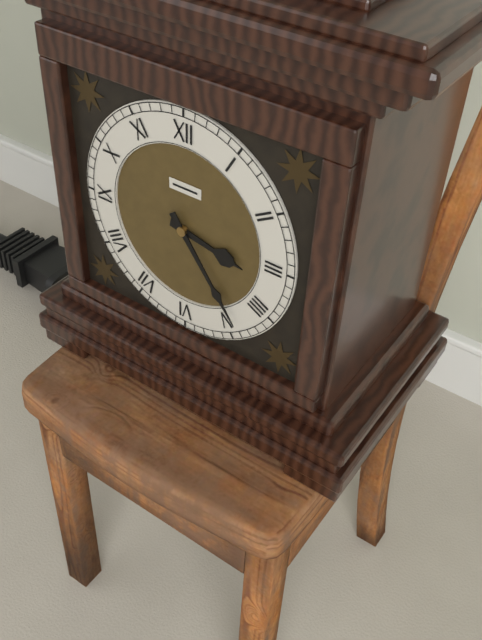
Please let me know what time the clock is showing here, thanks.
3:24
